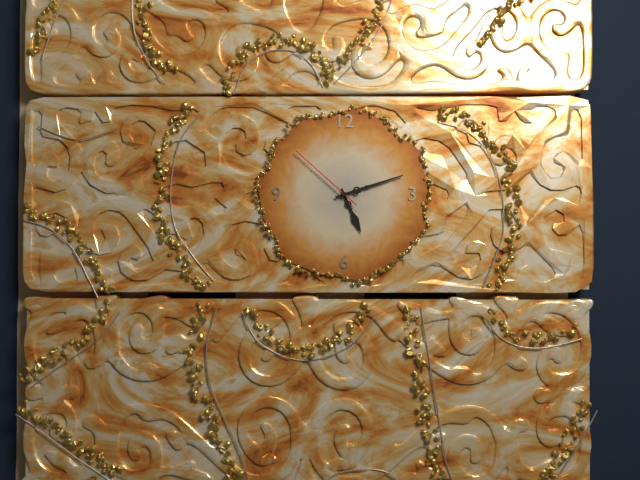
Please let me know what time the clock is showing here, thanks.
5:12:52
